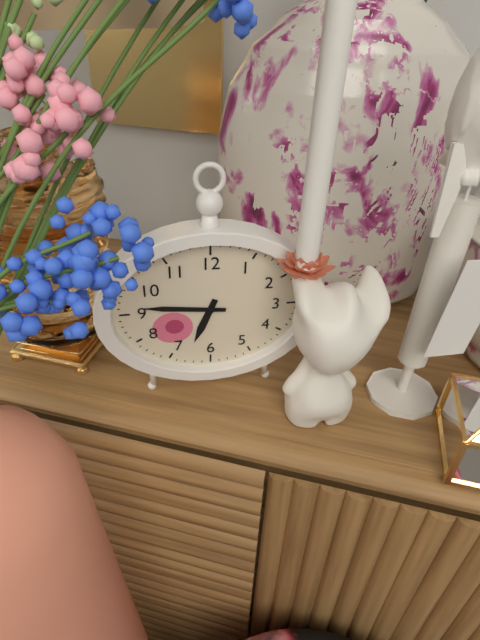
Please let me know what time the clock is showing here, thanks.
6:46
